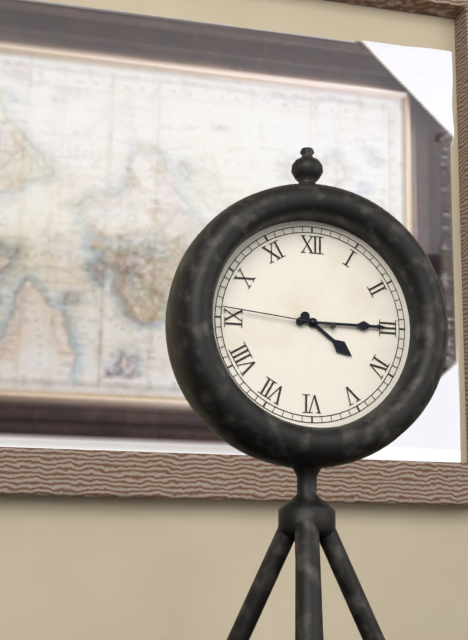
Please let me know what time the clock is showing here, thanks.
4:15:46
